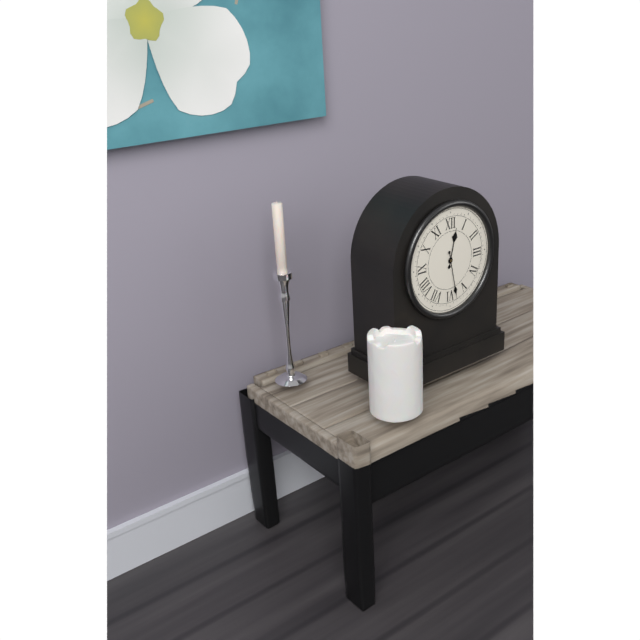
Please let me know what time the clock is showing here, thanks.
12:28
